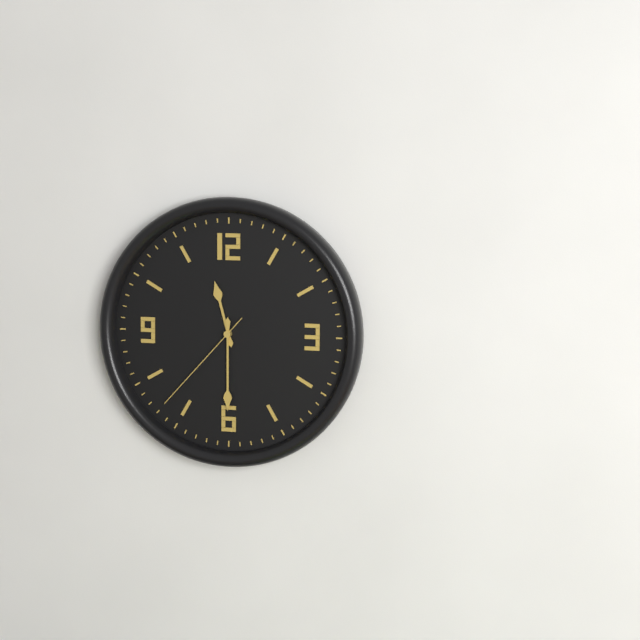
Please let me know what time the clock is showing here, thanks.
11:30:37
